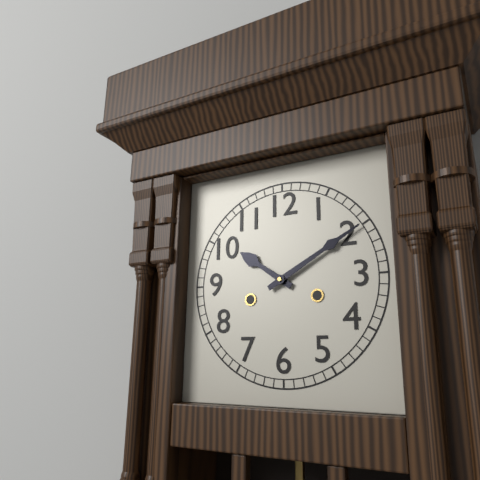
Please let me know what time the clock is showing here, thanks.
10:10
